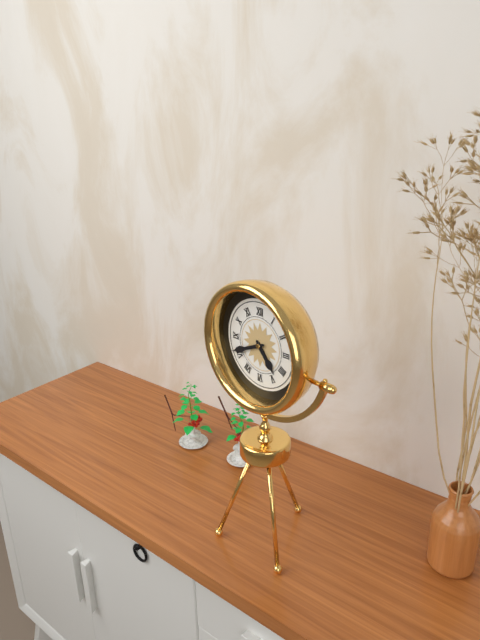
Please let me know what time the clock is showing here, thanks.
4:41
